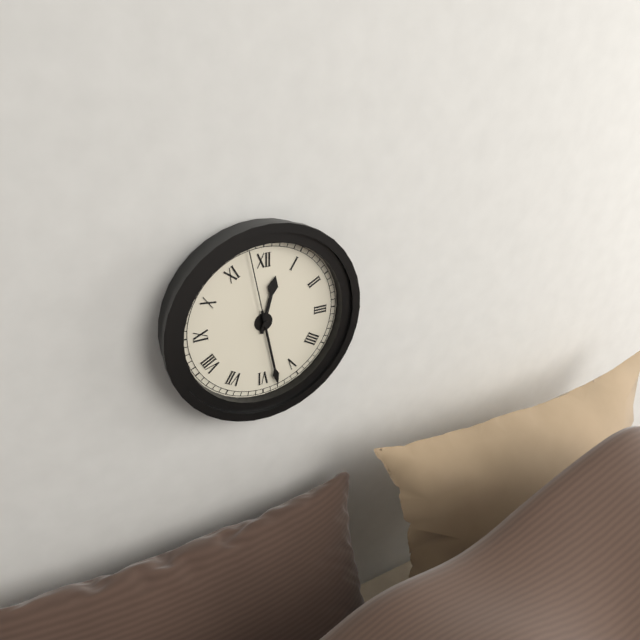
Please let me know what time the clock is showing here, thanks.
12:28:58
